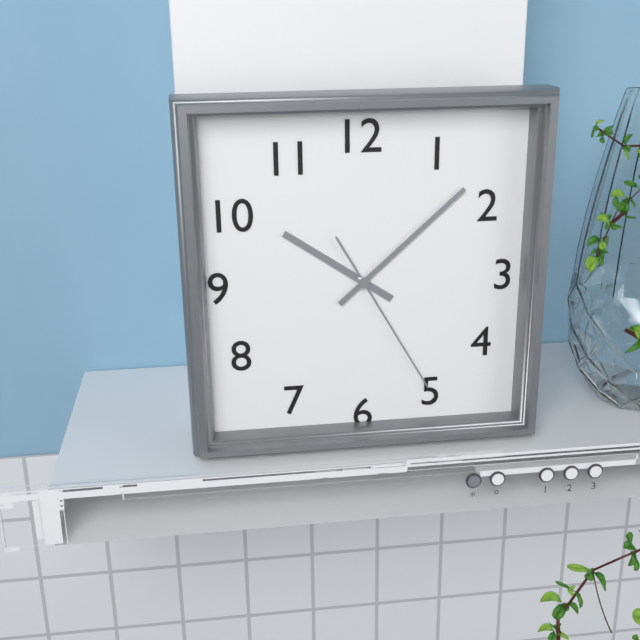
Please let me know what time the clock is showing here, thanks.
10:08:25
